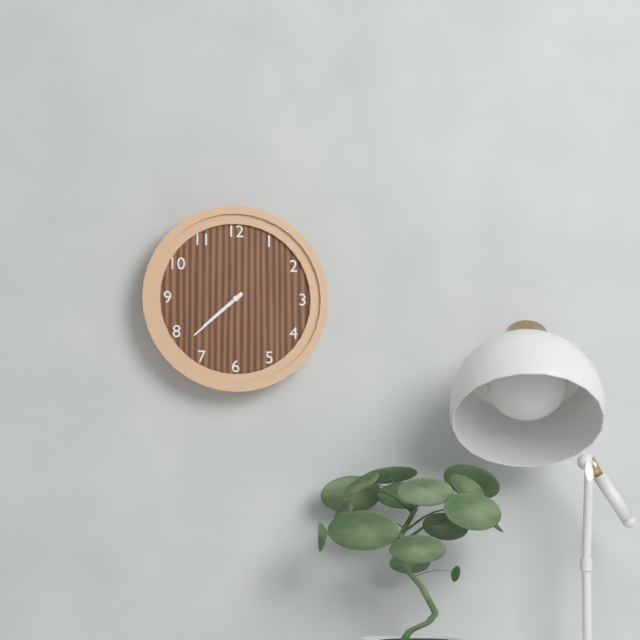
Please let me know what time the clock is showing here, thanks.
7:38
